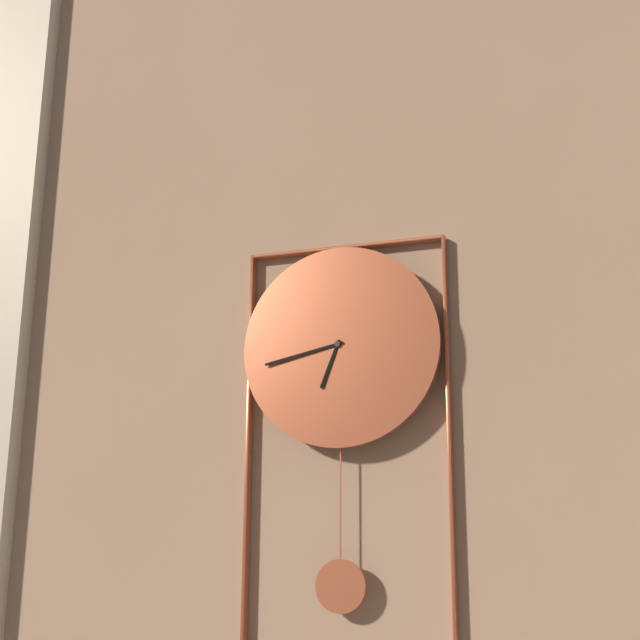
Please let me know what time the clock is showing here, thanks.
6:43
